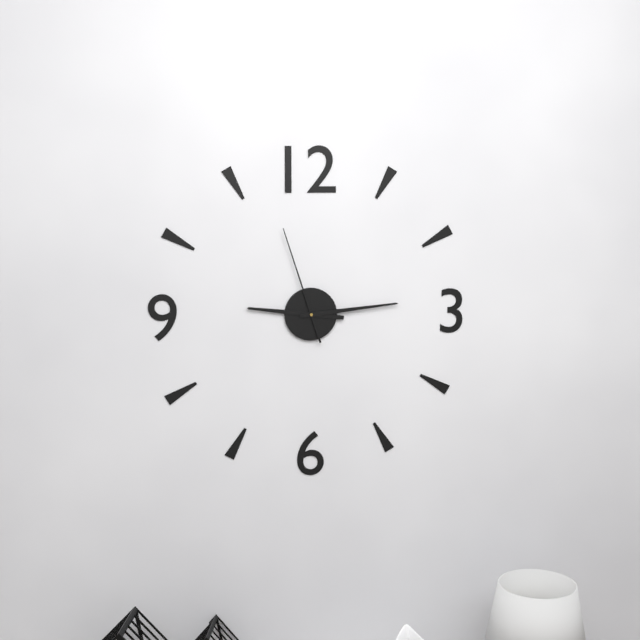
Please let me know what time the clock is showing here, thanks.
9:14:57
